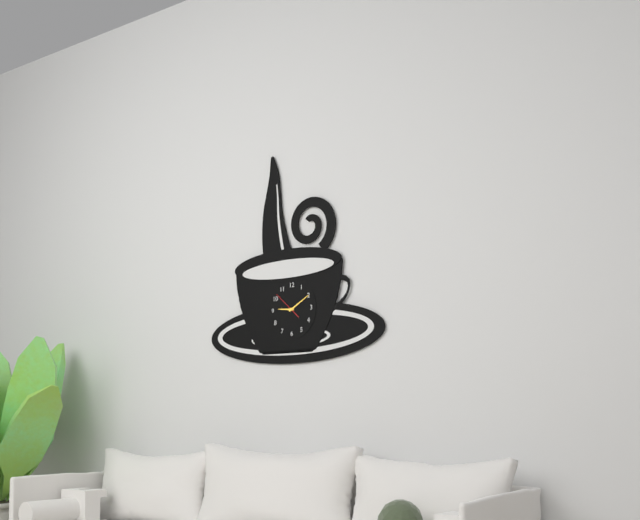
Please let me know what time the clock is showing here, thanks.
9:10
